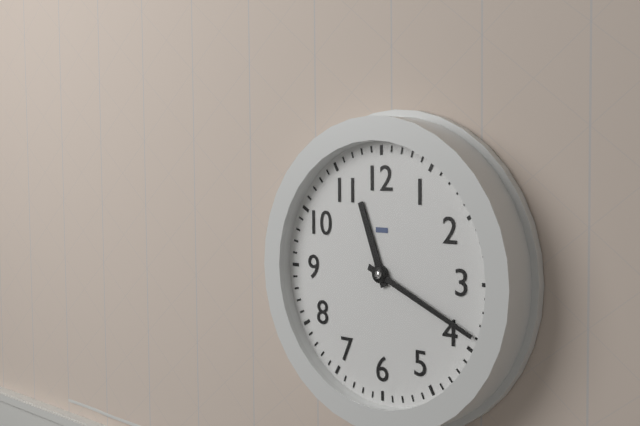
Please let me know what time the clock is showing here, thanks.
11:19
